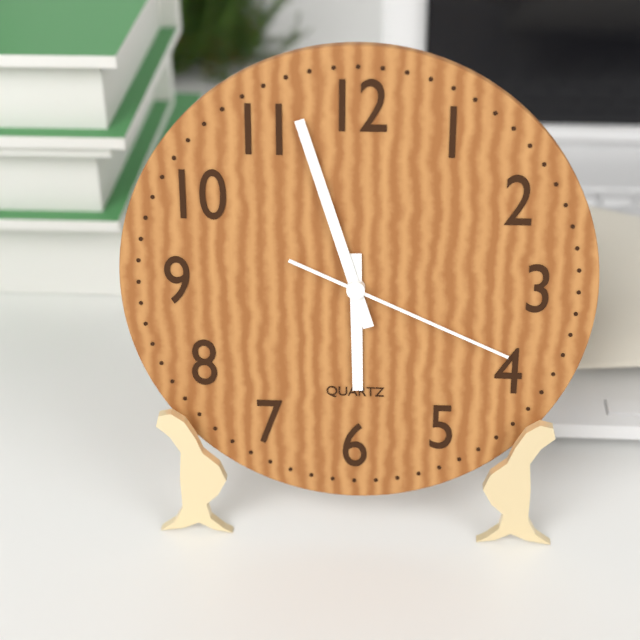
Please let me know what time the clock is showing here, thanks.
5:57:19
